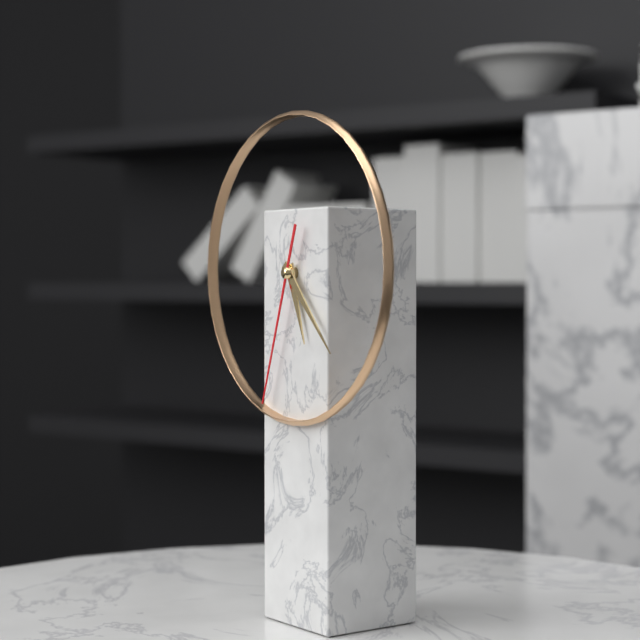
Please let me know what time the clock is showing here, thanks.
5:23:33
